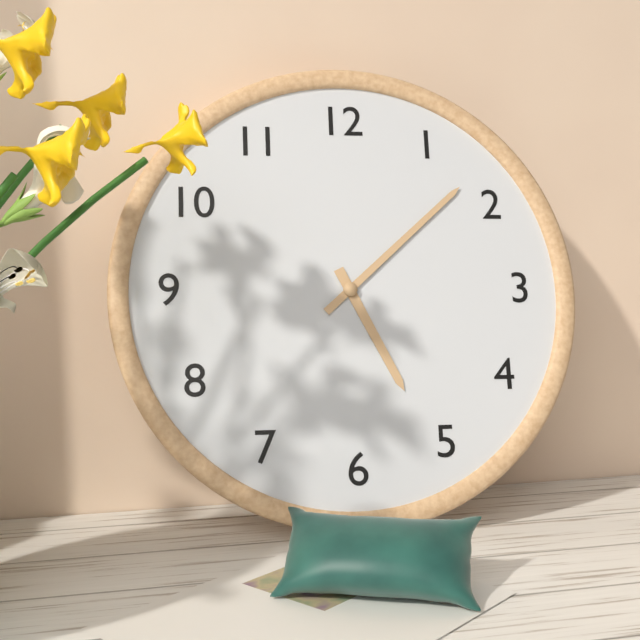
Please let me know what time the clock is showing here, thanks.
5:08
